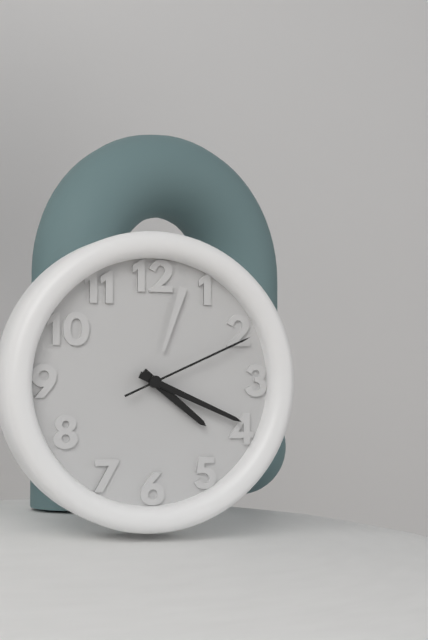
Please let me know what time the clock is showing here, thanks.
4:19:11
